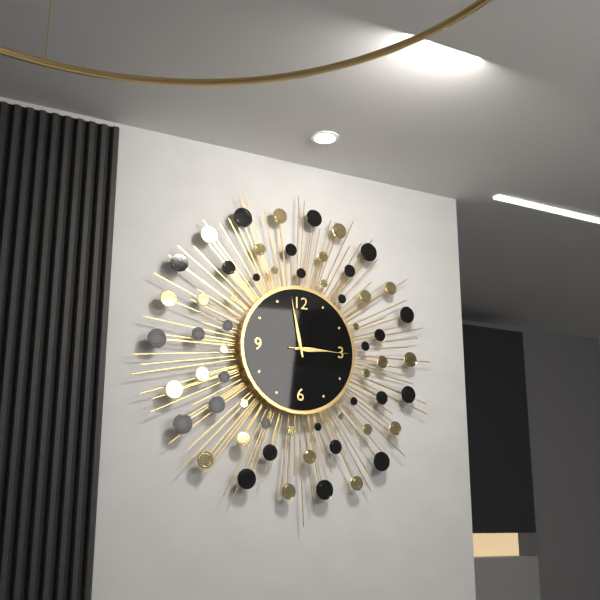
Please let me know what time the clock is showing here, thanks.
2:58:15
